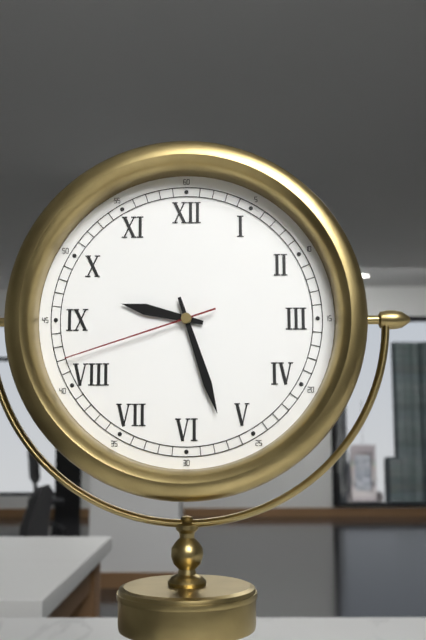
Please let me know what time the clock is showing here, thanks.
9:27:42
